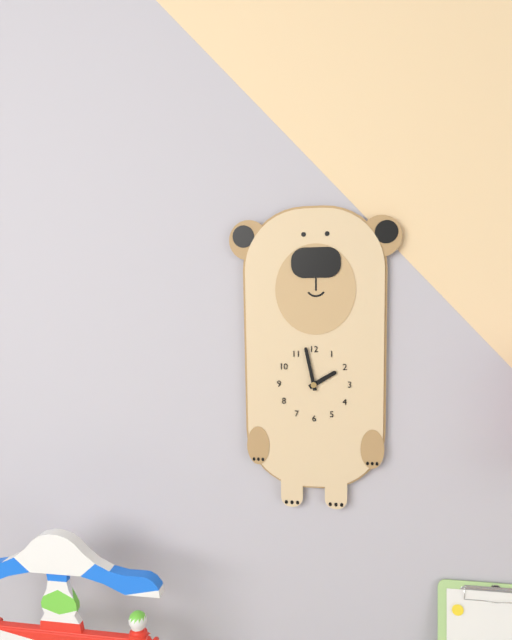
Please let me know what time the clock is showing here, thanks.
1:58
